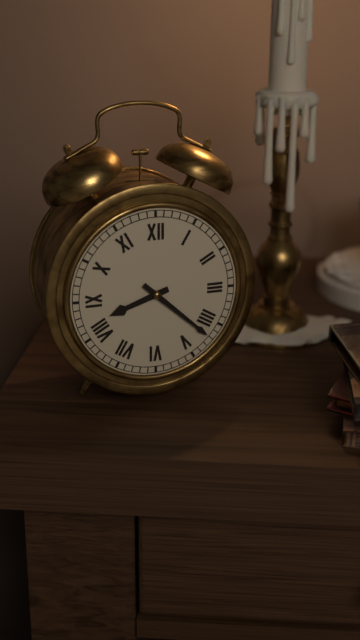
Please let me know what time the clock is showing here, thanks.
8:22
